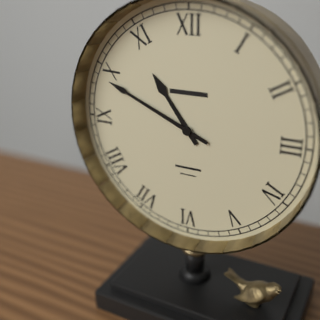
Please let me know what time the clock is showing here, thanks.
10:49
